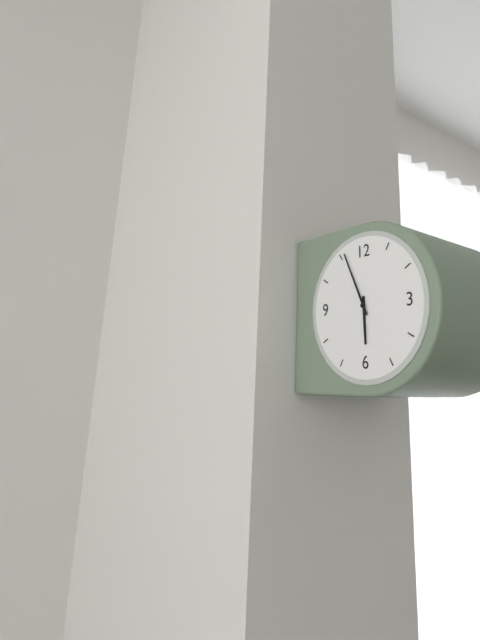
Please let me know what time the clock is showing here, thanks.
5:56
